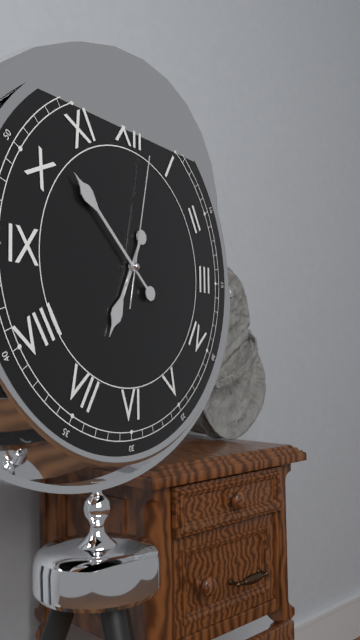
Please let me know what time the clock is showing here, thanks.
6:52:02
